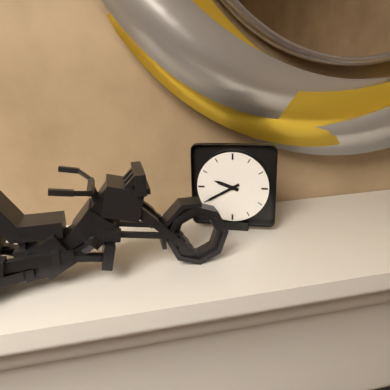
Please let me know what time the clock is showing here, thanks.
9:40
